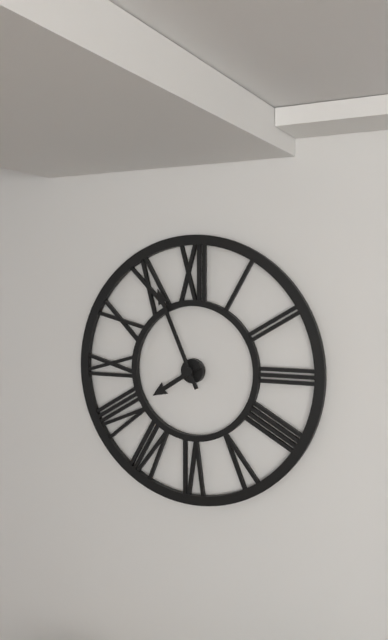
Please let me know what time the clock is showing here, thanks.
7:56
